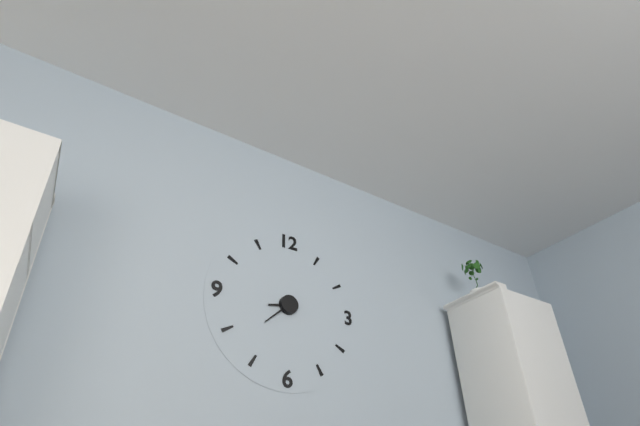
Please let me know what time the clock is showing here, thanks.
8:38
